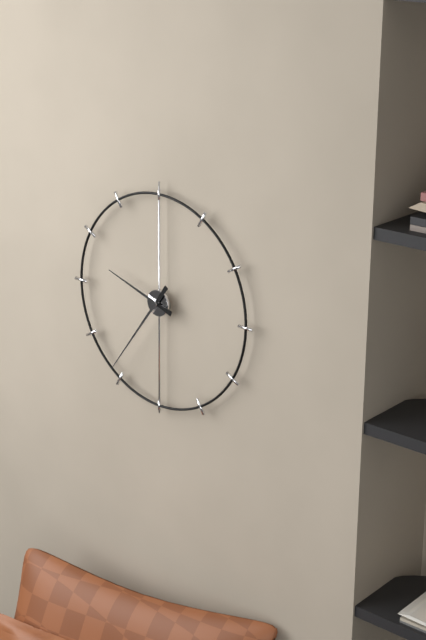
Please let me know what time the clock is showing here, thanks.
9:36
